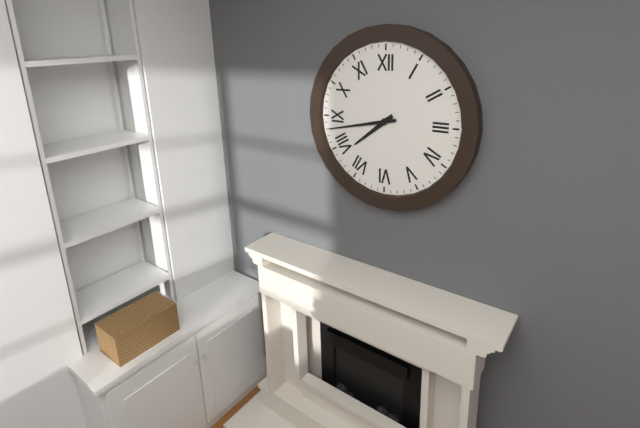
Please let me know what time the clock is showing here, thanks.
7:43
